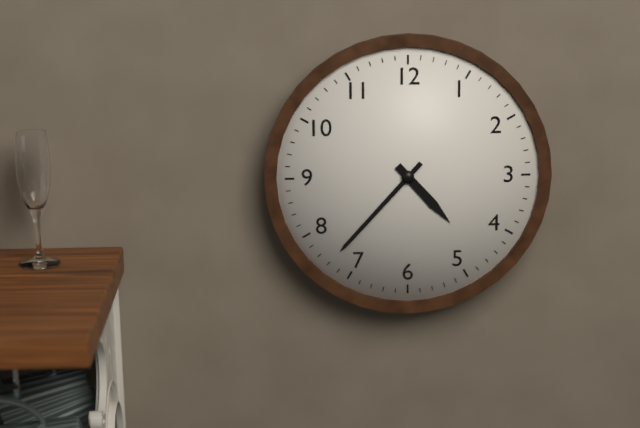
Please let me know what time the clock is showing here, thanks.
4:37
